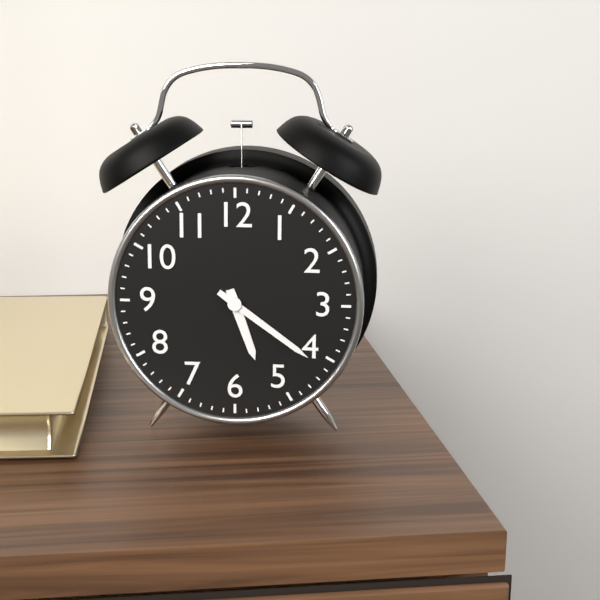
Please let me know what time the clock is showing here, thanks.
5:21
